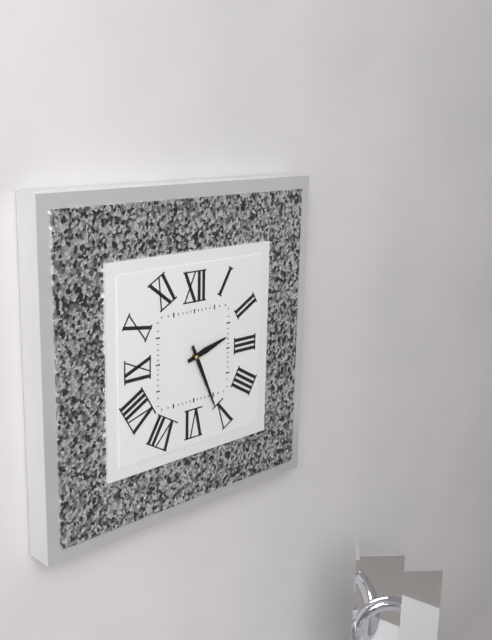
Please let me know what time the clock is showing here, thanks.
2:26
